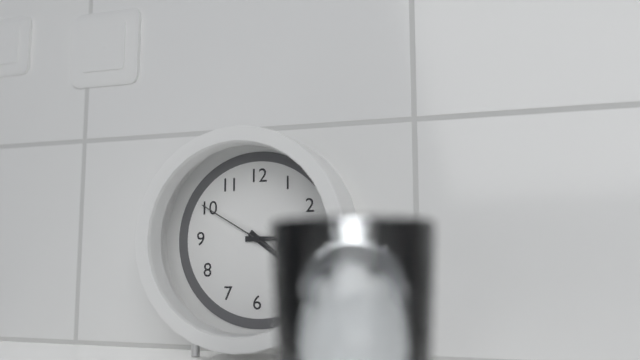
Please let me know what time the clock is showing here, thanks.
4:15:50
